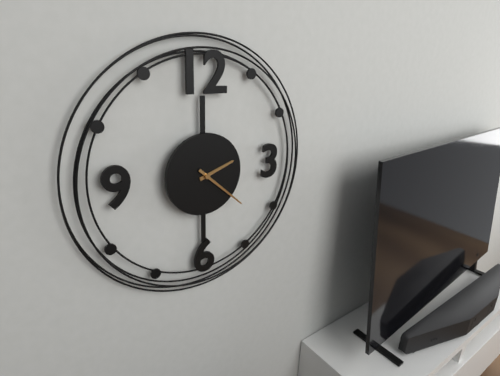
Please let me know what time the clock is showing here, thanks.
2:22
